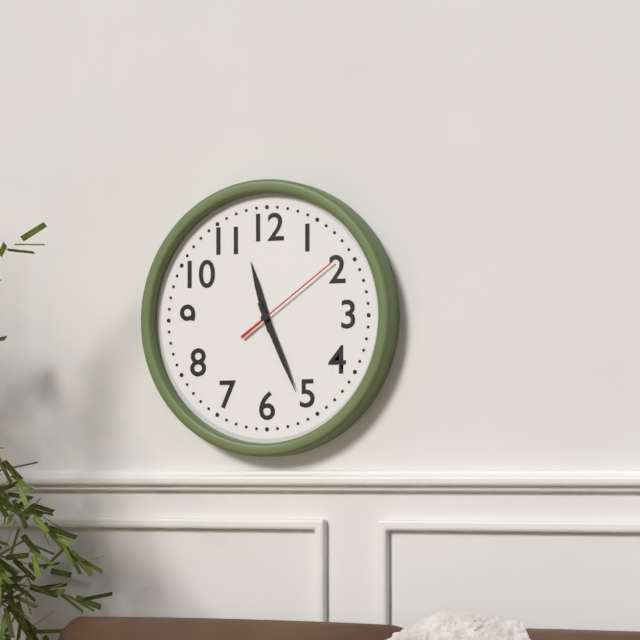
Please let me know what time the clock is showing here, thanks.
11:26:09
